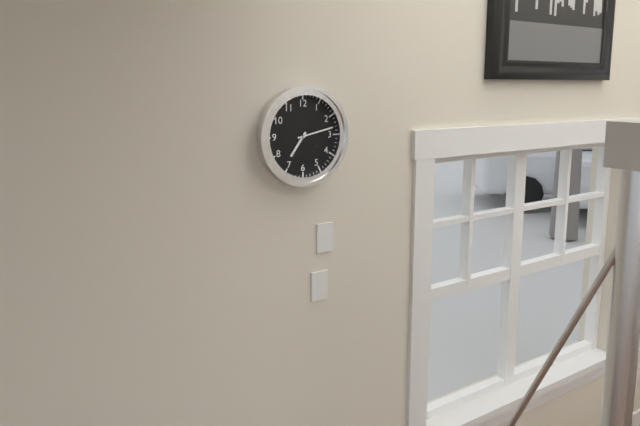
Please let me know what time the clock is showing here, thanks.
7:13
